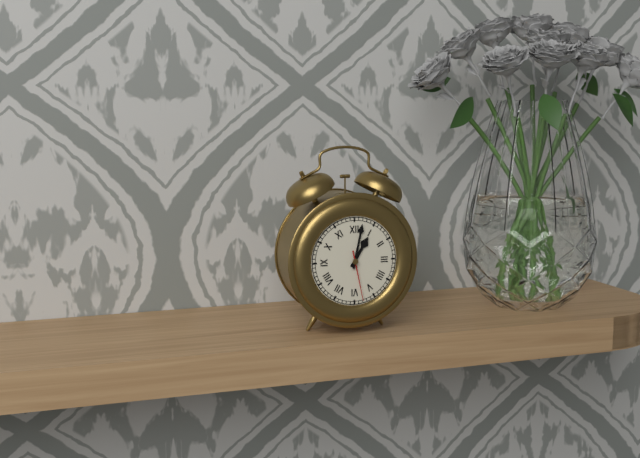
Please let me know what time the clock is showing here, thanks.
1:02
